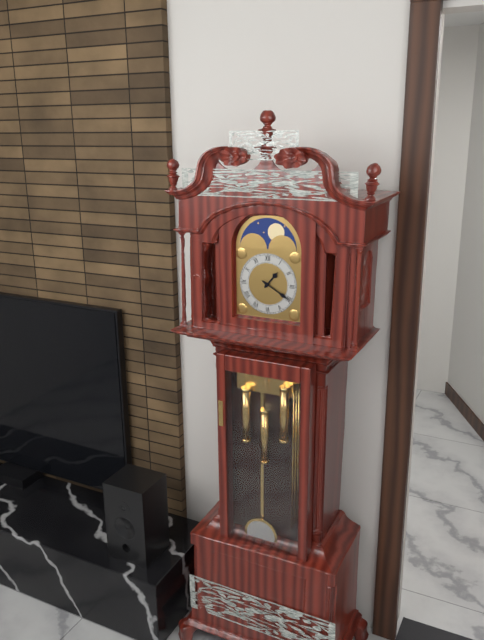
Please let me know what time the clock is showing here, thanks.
1:20
